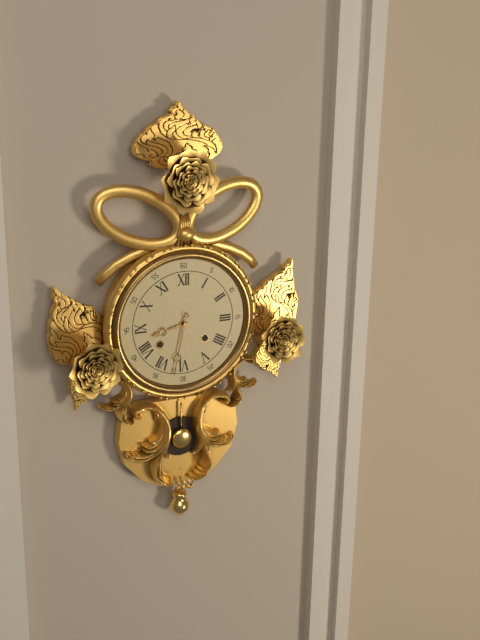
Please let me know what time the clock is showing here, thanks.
8:32
